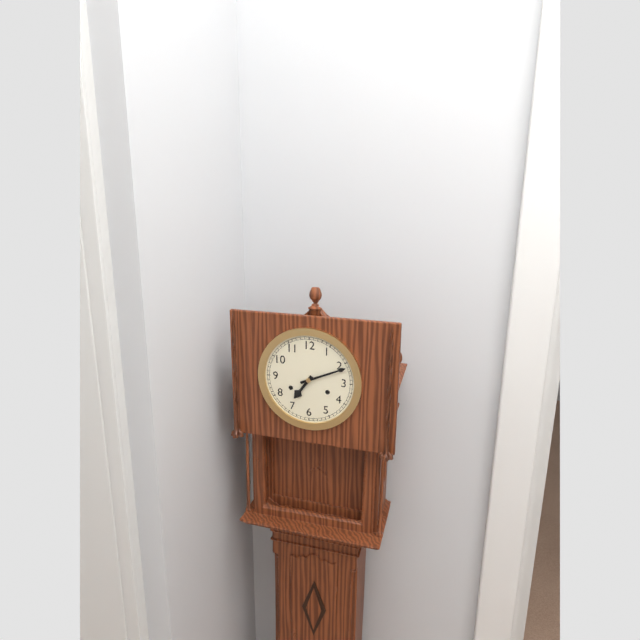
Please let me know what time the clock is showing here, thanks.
7:11
